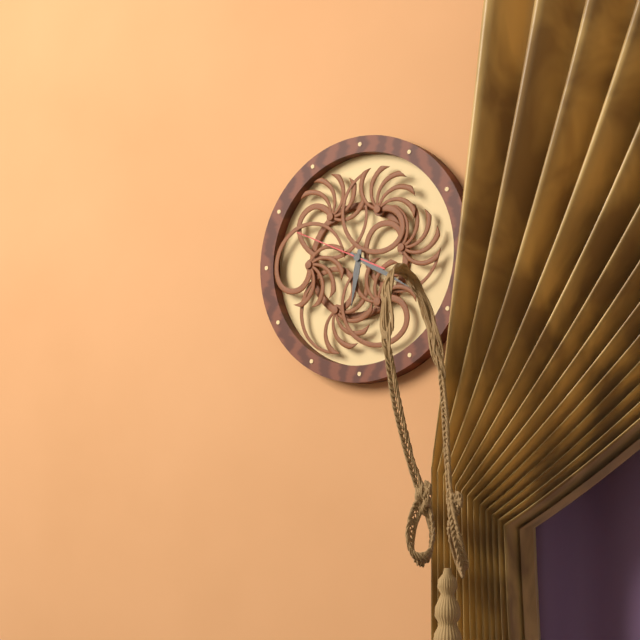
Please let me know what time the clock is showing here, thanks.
6:20:49
